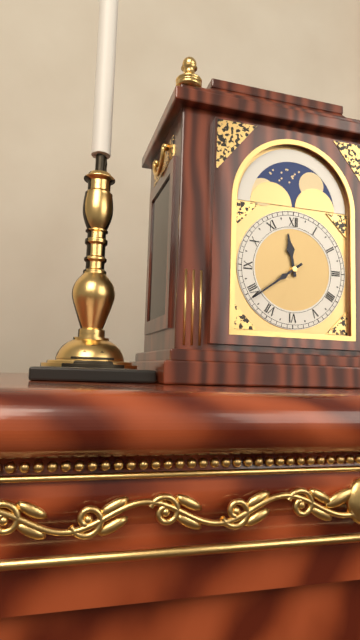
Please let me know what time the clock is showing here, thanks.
11:39
